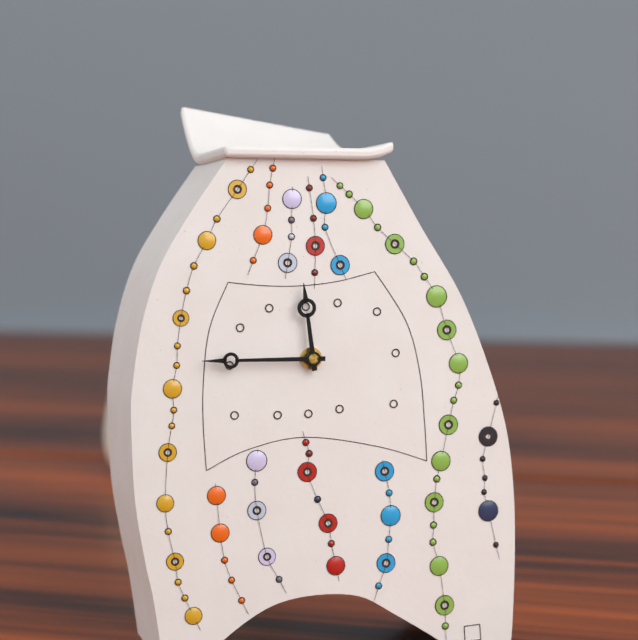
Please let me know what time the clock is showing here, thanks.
11:45
